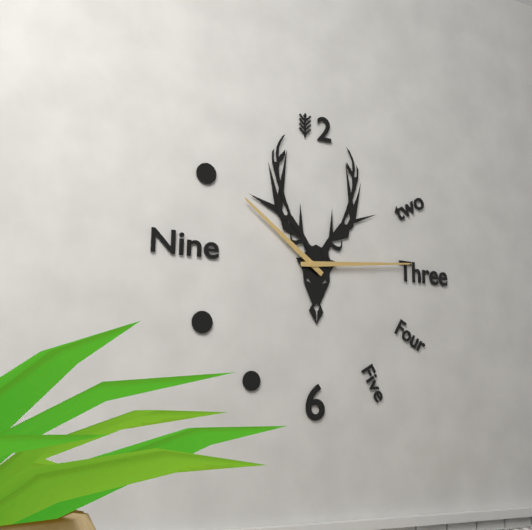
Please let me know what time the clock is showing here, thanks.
10:14
